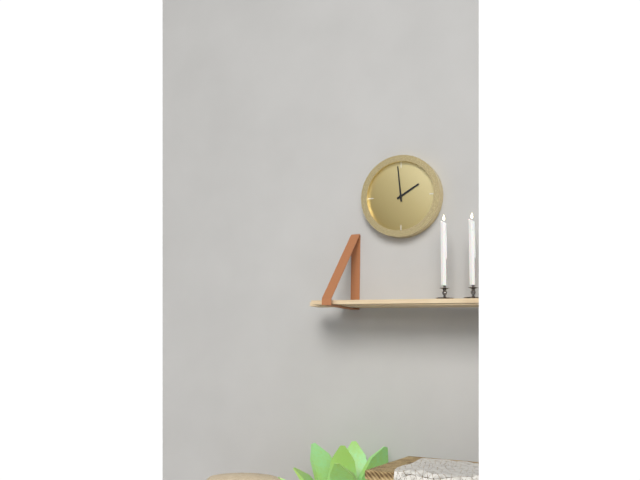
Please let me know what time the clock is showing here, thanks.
1:59
